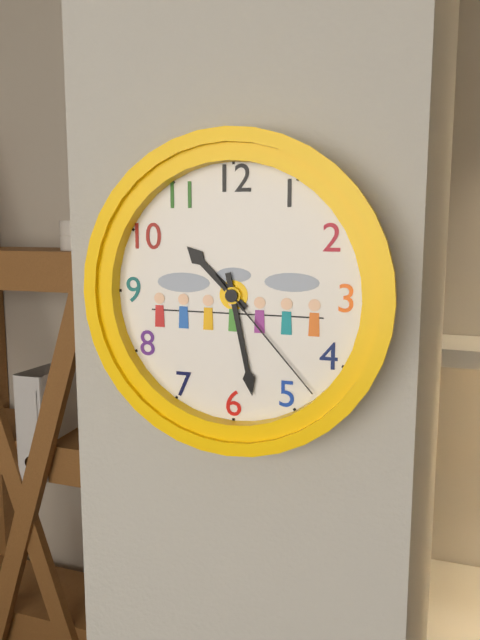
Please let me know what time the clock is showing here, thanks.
10:28:23
